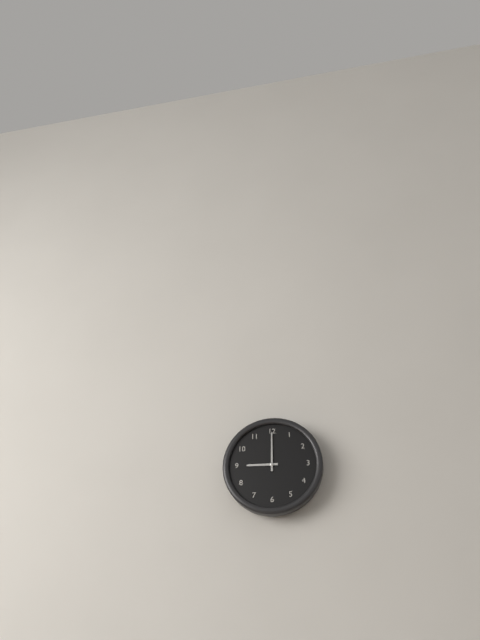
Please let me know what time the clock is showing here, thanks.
9:00
